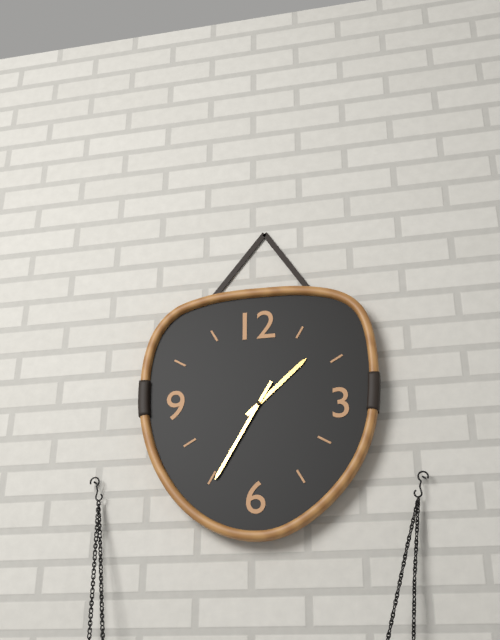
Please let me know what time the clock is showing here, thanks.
1:35
